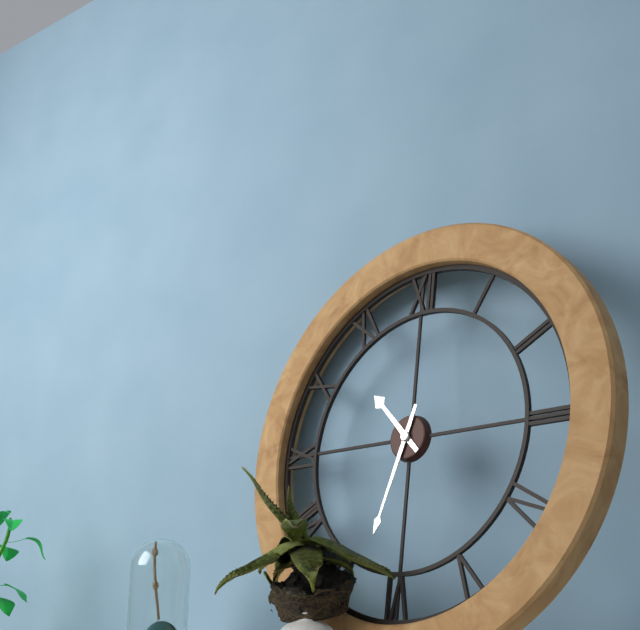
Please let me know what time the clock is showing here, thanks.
10:33
